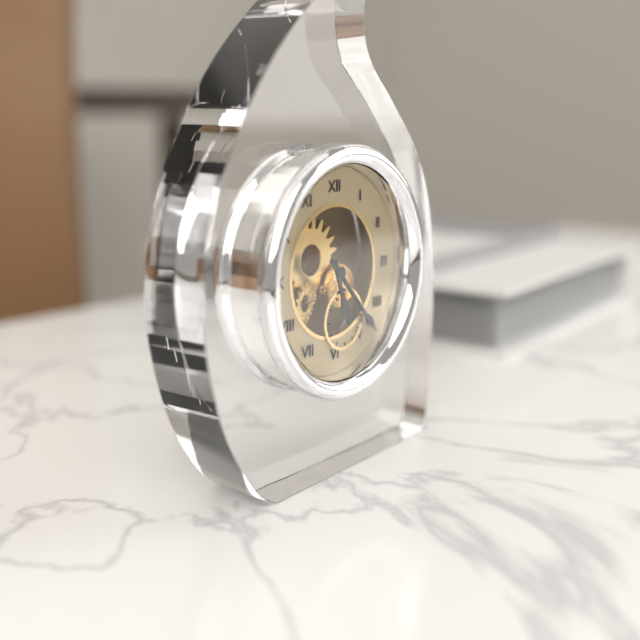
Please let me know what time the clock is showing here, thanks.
5:23
